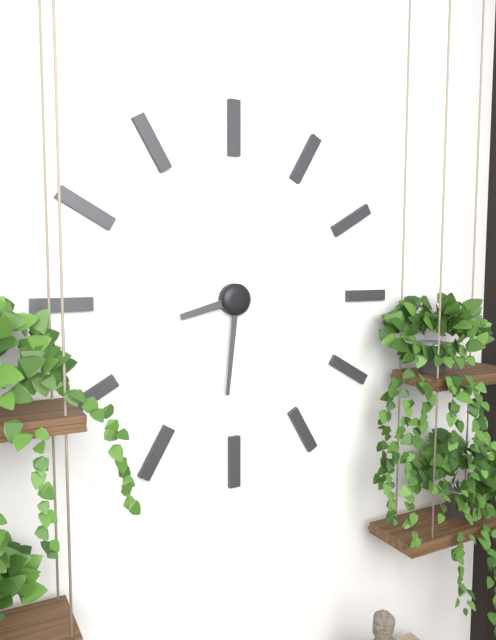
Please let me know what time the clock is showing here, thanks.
8:31
